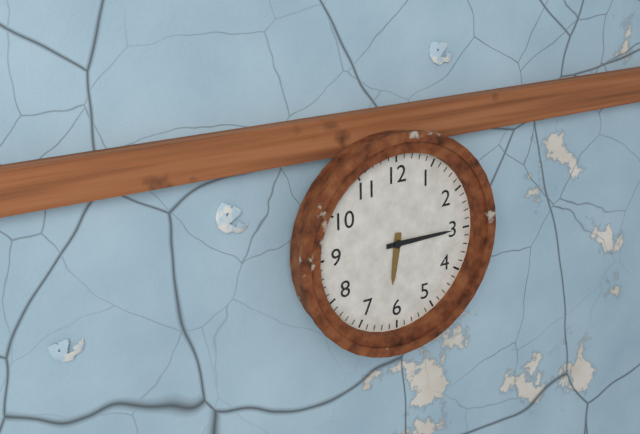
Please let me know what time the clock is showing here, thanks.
6:15
